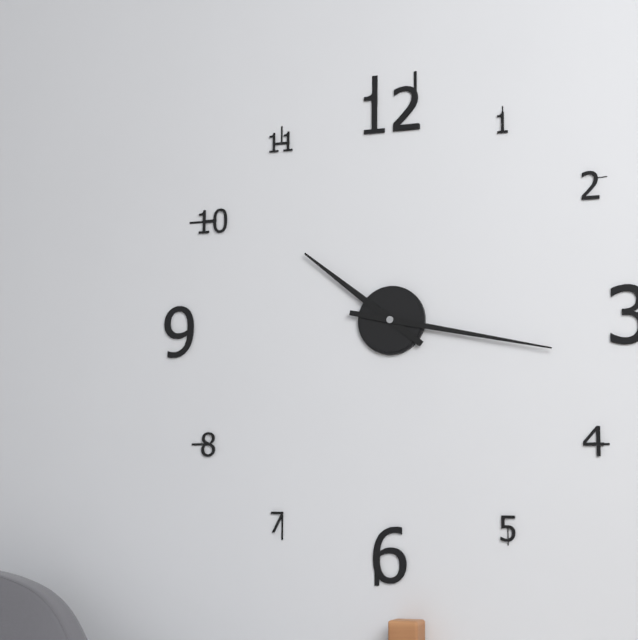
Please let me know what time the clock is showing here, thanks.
10:17
